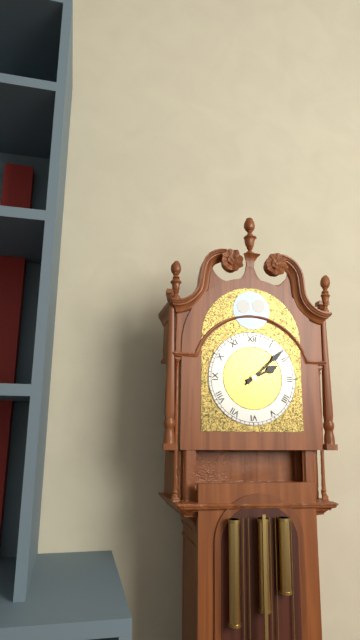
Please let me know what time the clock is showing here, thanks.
2:08
